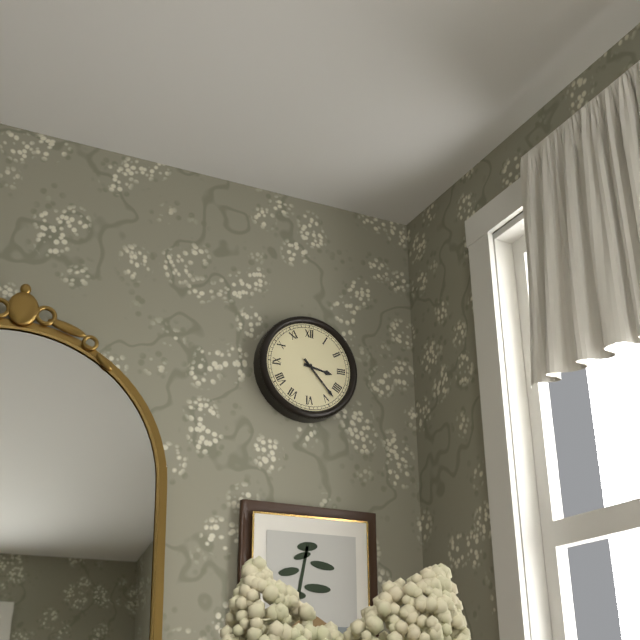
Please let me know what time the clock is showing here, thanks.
3:23
